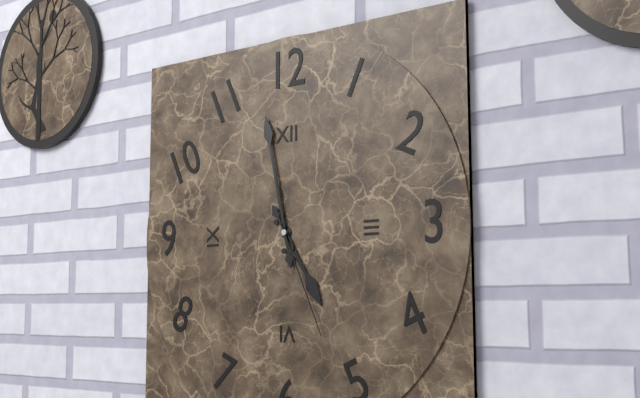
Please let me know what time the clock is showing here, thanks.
4:58:26
